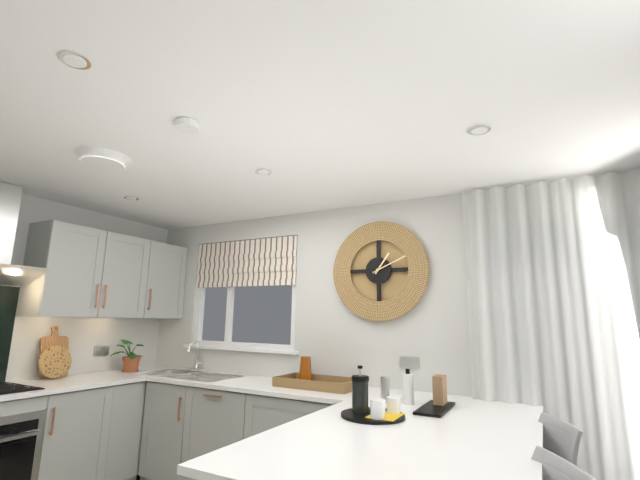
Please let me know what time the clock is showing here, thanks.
1:11
